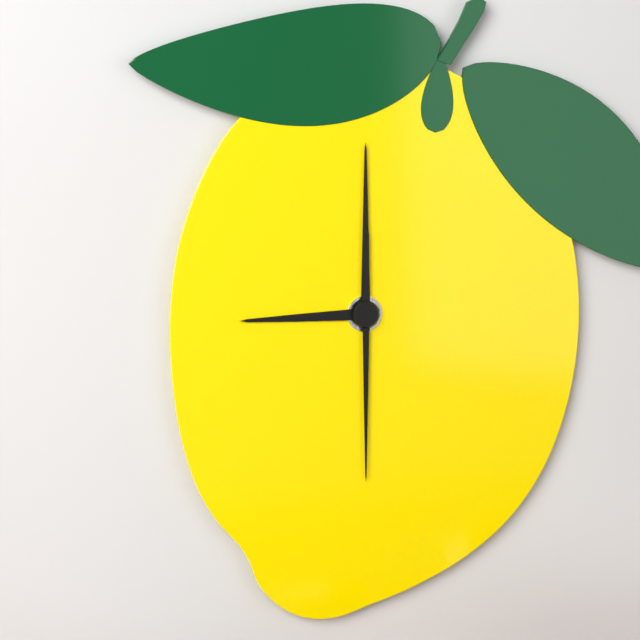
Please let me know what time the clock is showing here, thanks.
9:00:30
